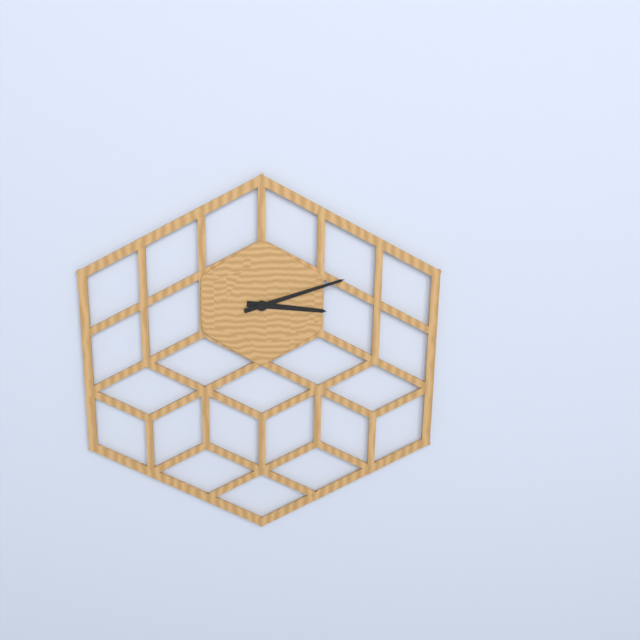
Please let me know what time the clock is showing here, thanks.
3:12
